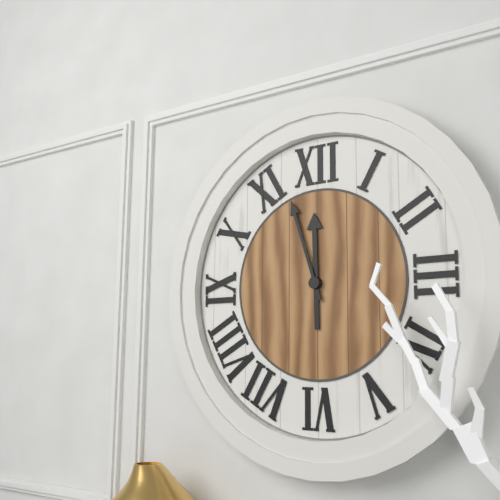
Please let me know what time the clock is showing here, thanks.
11:57
